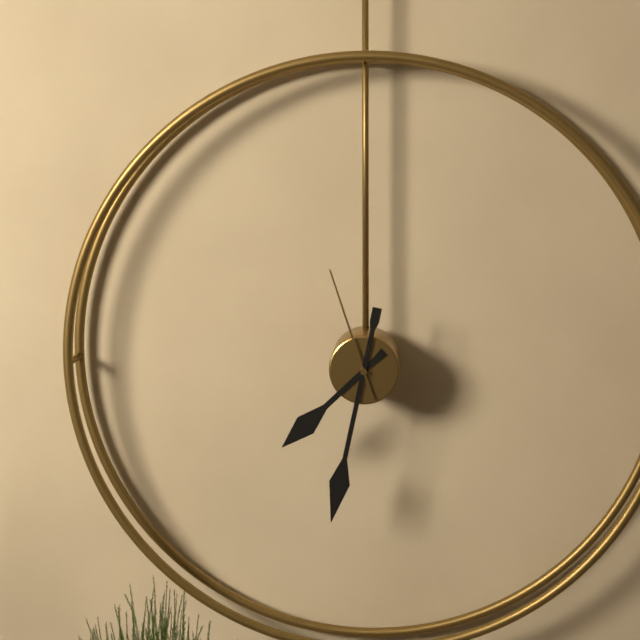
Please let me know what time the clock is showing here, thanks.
7:32:57
